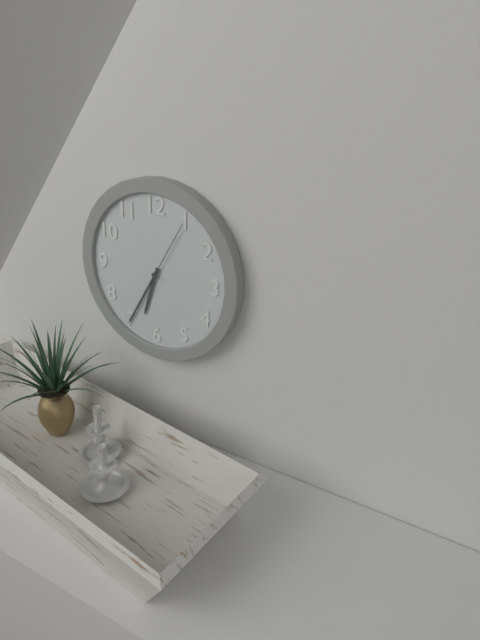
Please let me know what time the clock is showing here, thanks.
6:35:05
